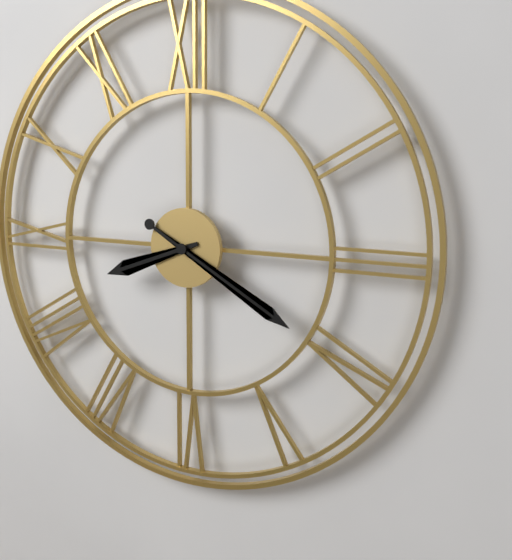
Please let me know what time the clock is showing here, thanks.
8:20
